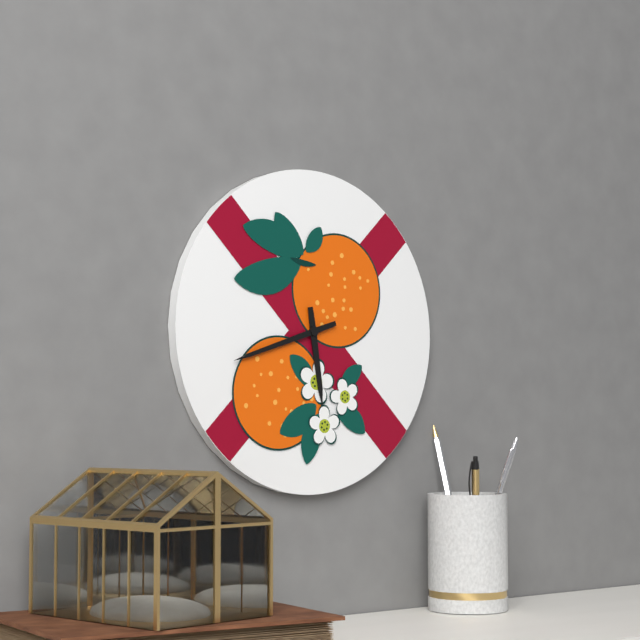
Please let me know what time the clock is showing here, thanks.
5:42
